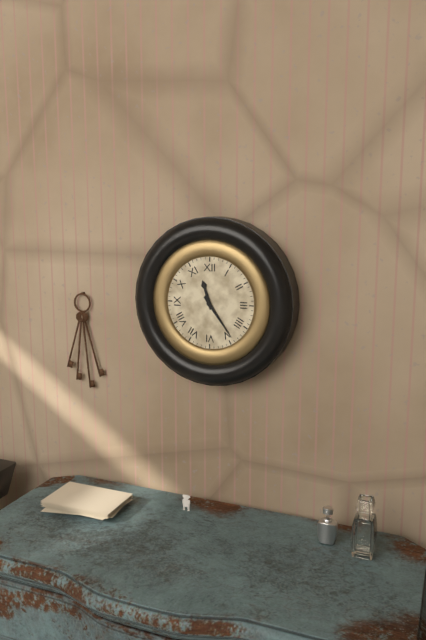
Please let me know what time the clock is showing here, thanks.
11:24
